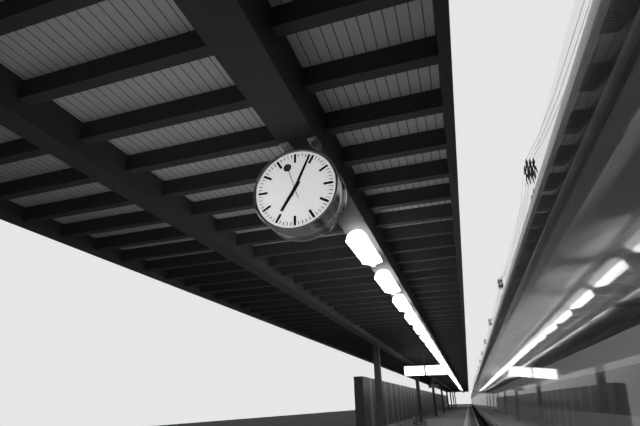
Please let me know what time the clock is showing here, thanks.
7:04
